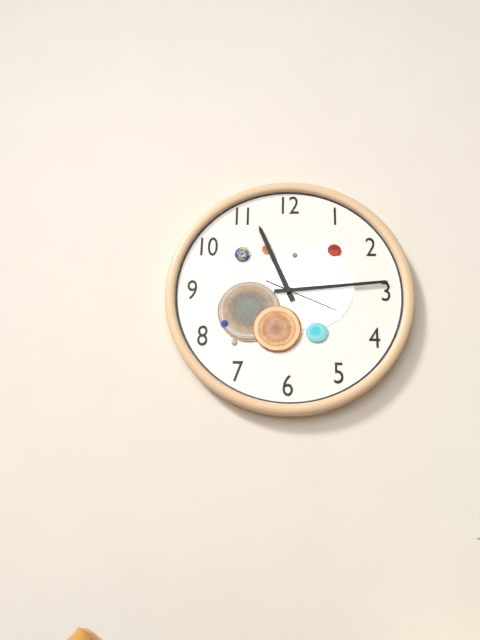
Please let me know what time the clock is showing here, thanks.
11:14:19
